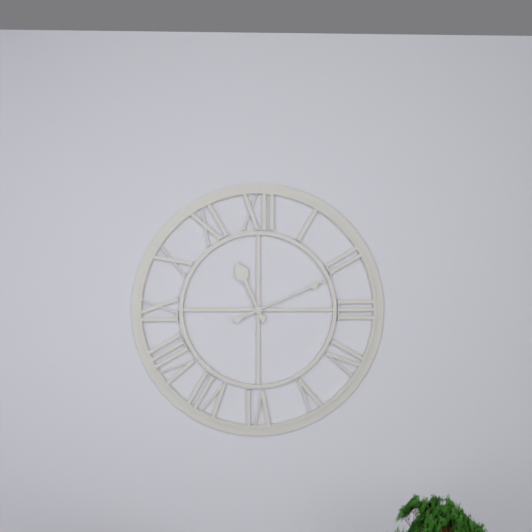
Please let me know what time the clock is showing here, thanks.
11:11
